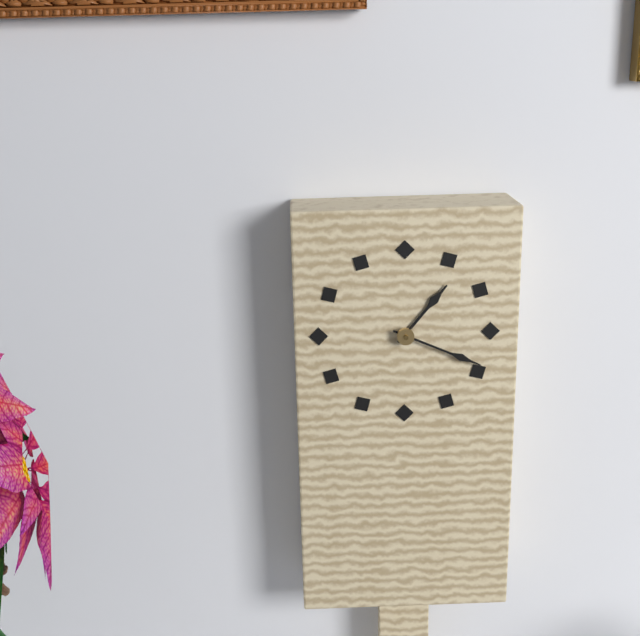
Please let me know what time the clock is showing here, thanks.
1:19
